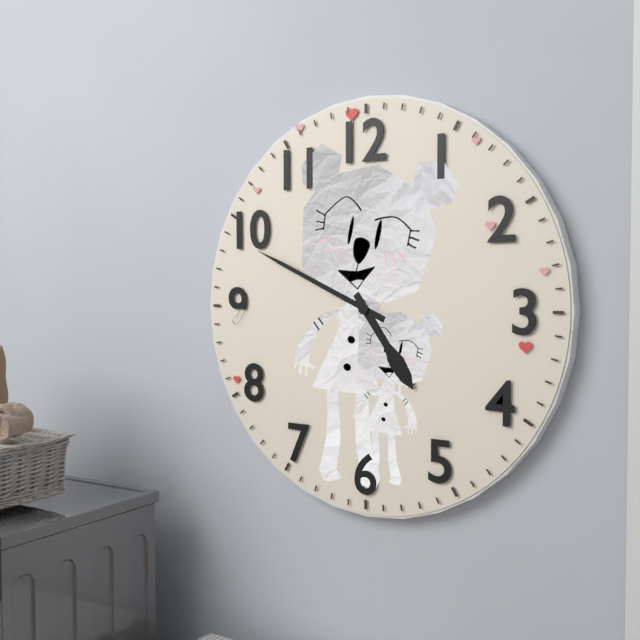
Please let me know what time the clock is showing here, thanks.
4:49
